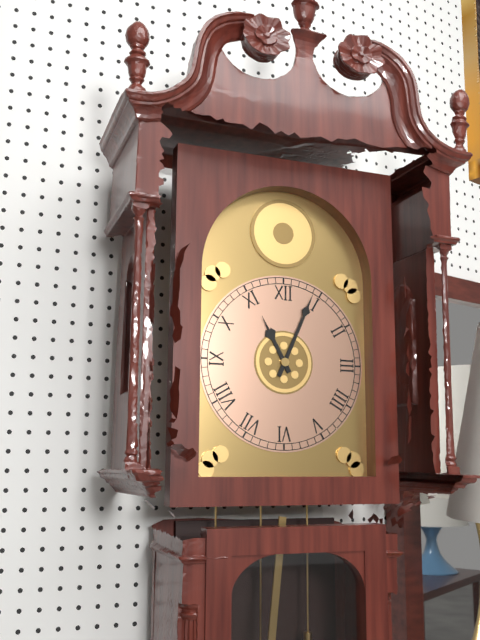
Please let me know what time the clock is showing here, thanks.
11:04
